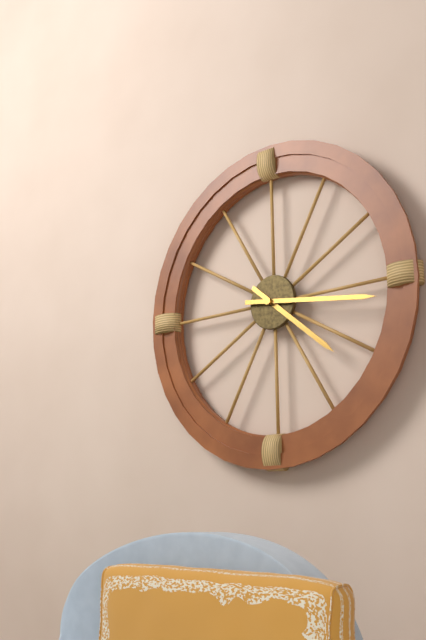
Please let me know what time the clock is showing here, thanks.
4:16
